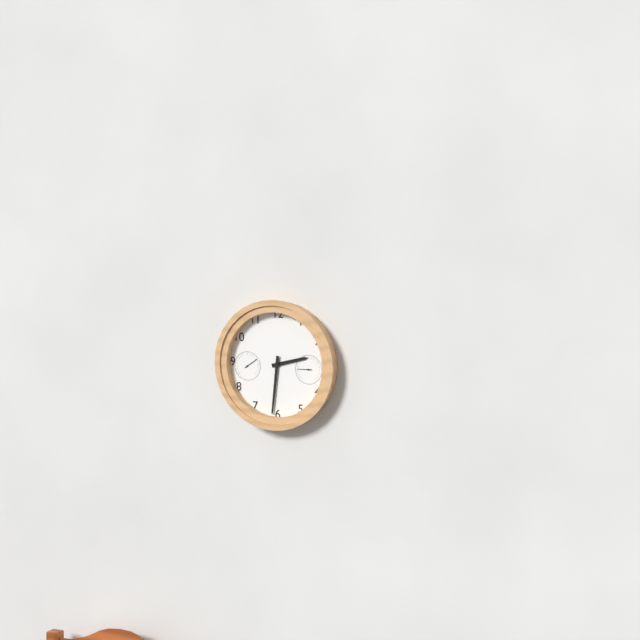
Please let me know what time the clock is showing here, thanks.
2:31
